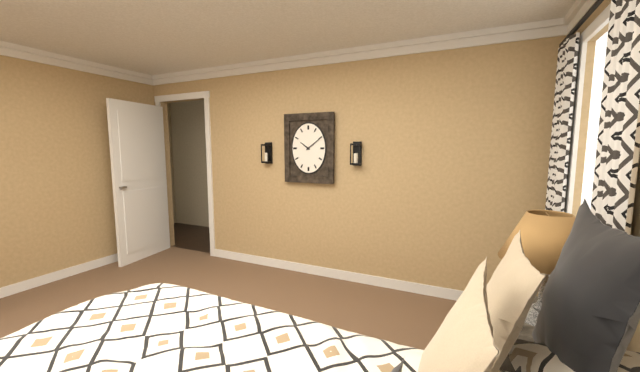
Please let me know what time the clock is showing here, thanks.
10:09
